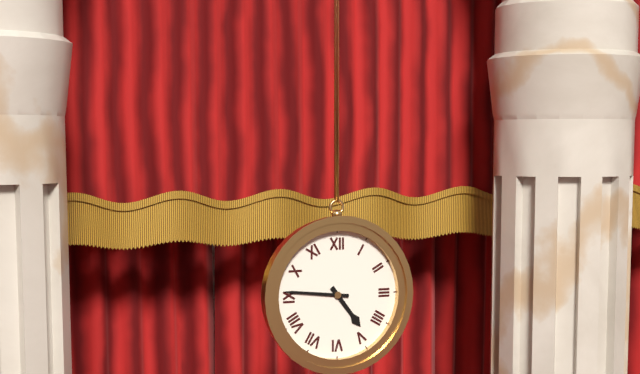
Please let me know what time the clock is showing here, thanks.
4:46
